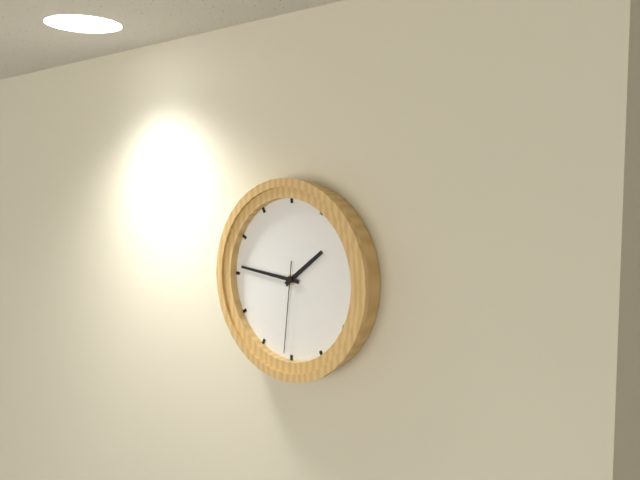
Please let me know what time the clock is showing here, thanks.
1:46:31
